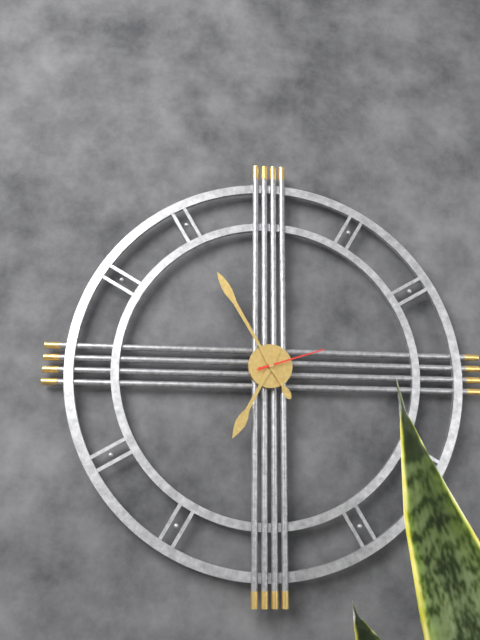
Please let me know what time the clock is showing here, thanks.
6:55:12
